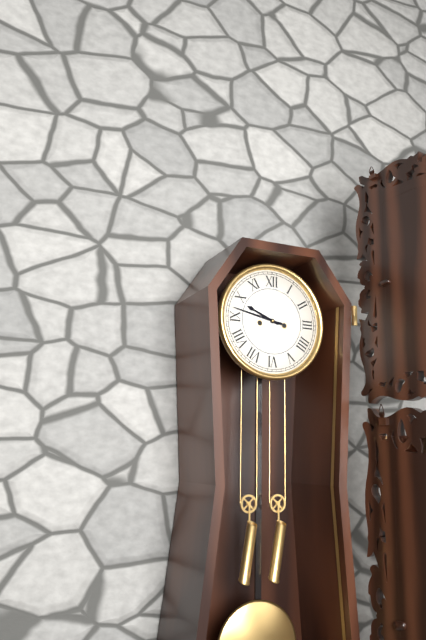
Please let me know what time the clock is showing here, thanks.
9:47
